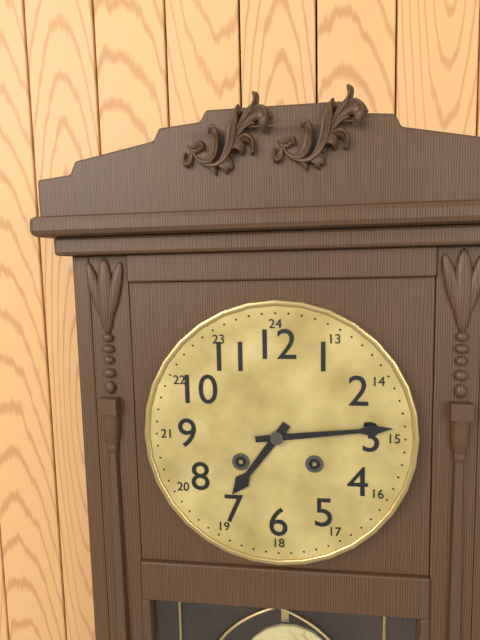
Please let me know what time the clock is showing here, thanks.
7:14
